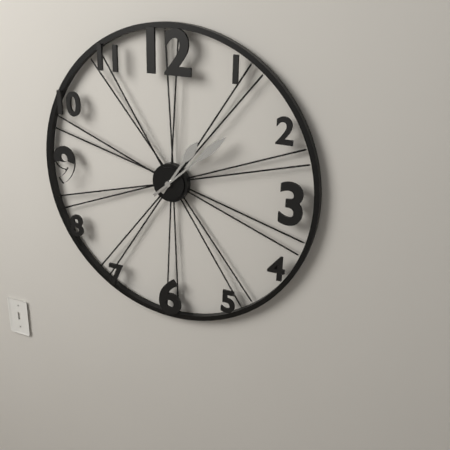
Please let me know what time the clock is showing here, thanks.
1:08
